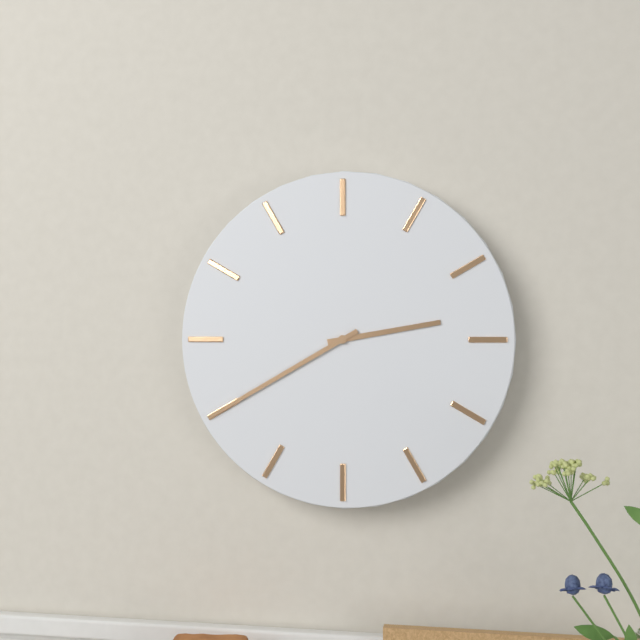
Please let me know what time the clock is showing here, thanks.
2:40
